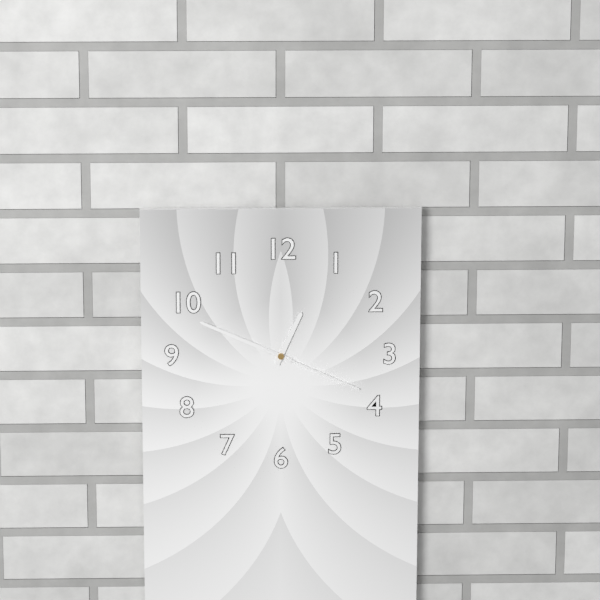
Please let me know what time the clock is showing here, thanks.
12:49:19
